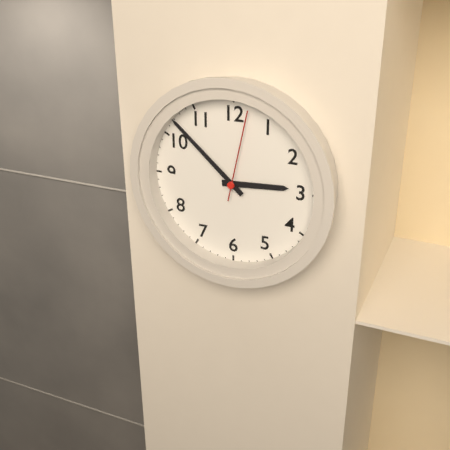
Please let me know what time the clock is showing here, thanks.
2:52:02
